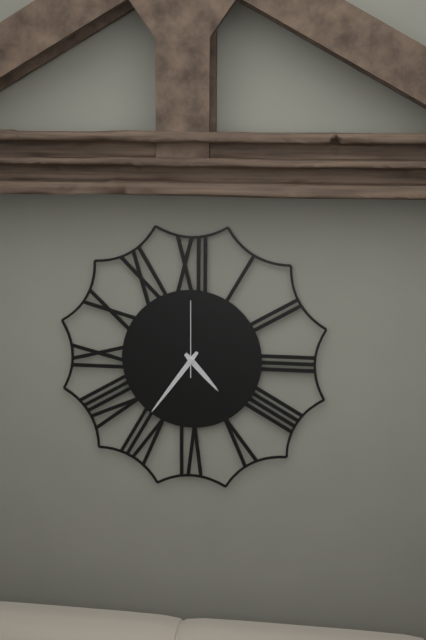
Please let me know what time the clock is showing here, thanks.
4:36:00
